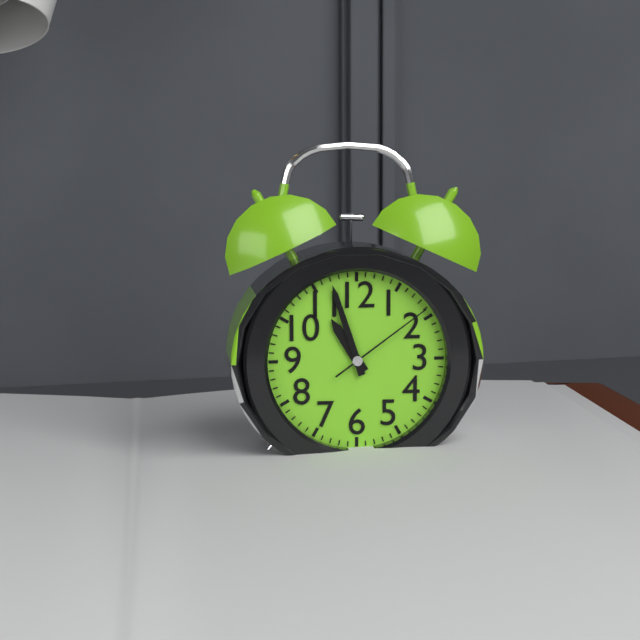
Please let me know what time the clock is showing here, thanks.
10:57:09
